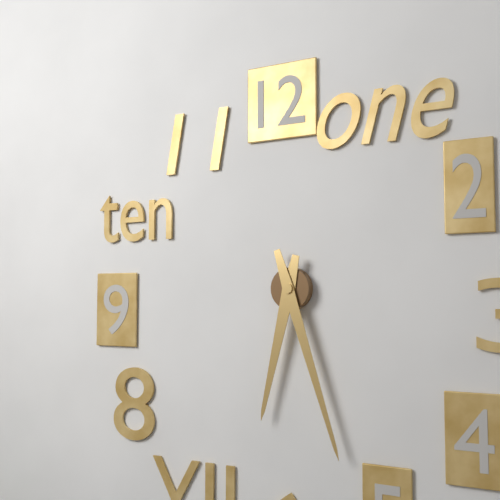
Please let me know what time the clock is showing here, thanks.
6:27
